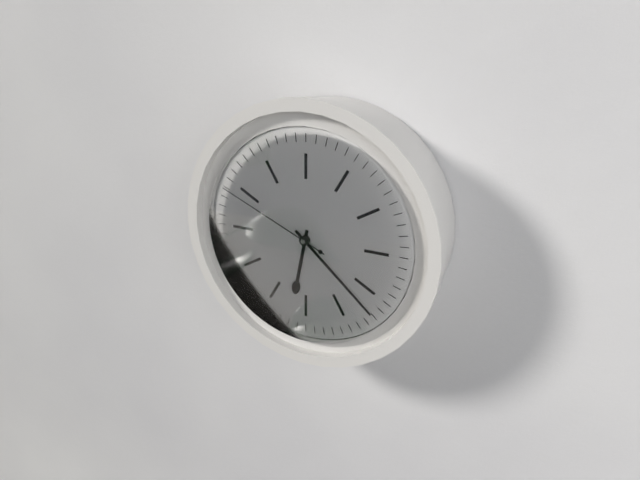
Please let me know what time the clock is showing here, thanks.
6:22:49
